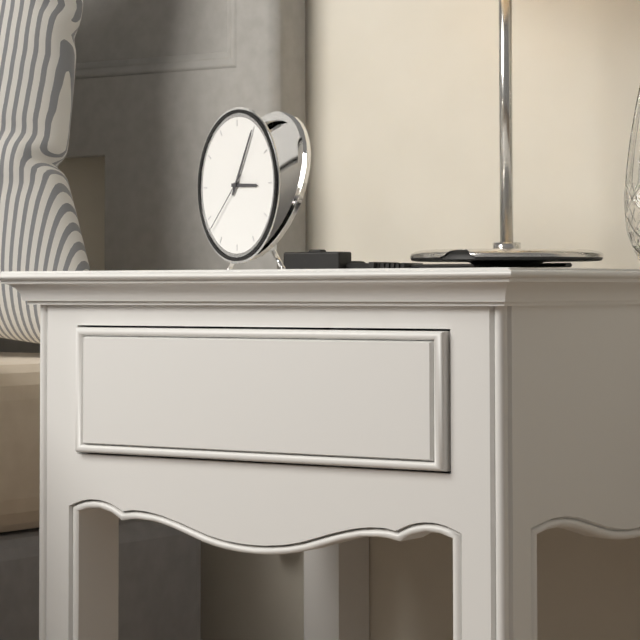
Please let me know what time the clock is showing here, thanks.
3:05:38
